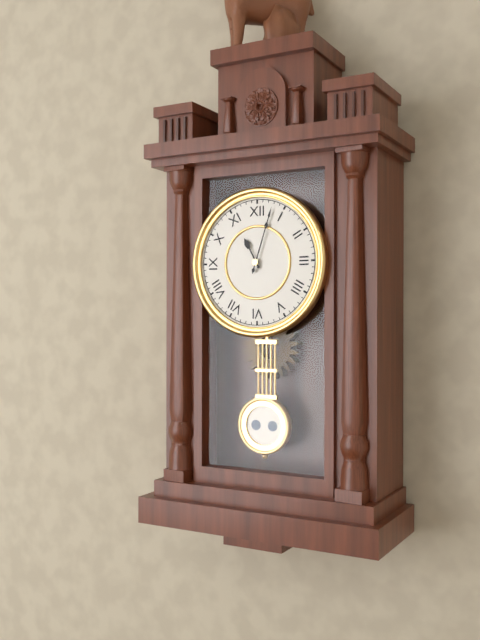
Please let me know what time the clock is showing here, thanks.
11:03
